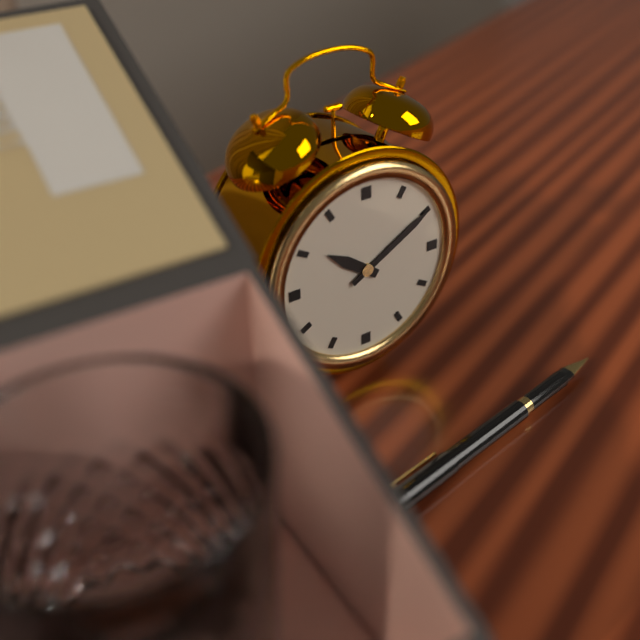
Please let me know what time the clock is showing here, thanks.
10:10
